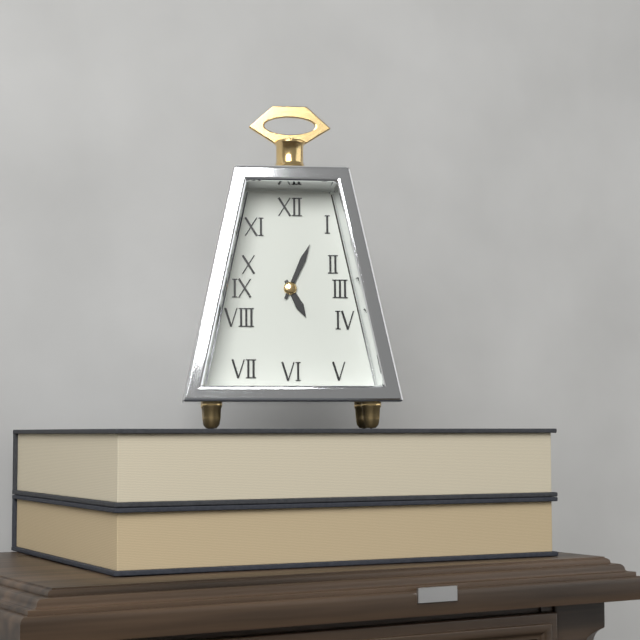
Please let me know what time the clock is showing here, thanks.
5:04
